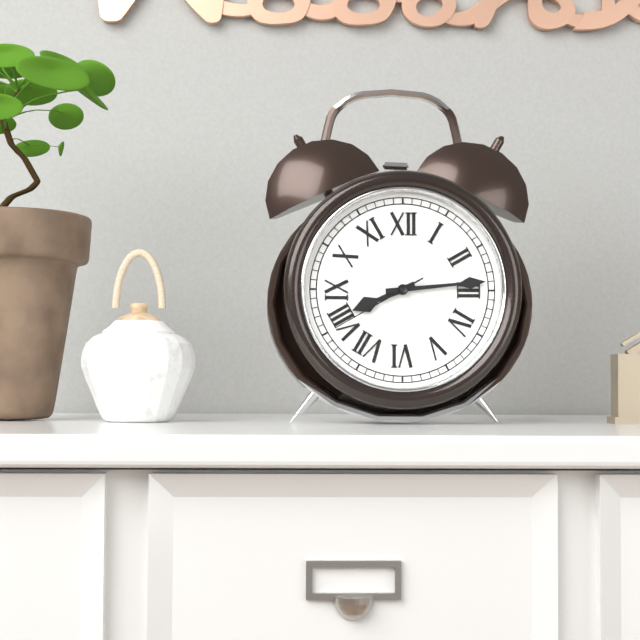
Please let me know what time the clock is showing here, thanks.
8:14:40
